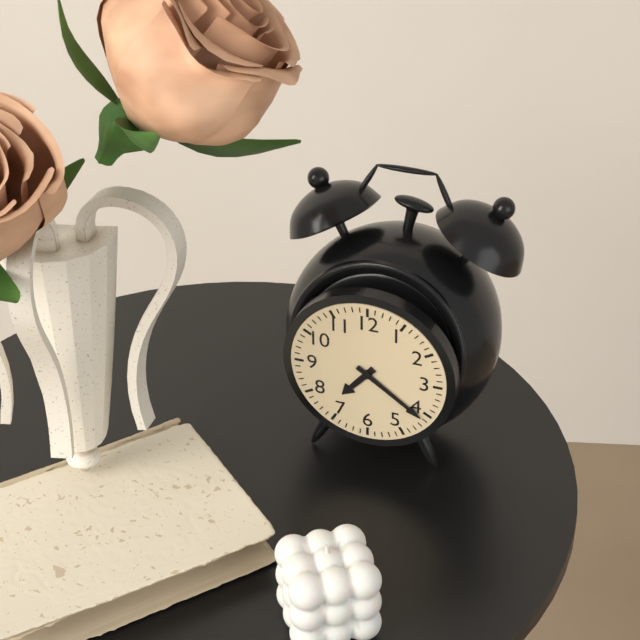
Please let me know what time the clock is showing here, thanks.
7:21
